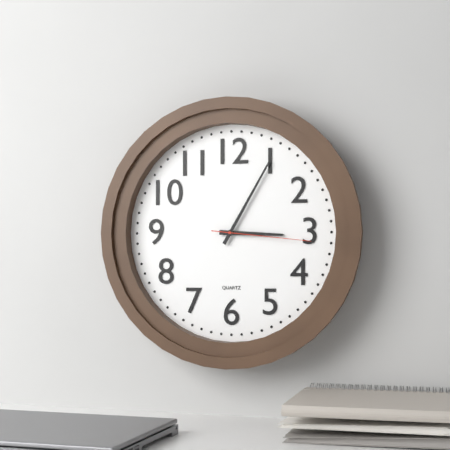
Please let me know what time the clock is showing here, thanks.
3:05:16
